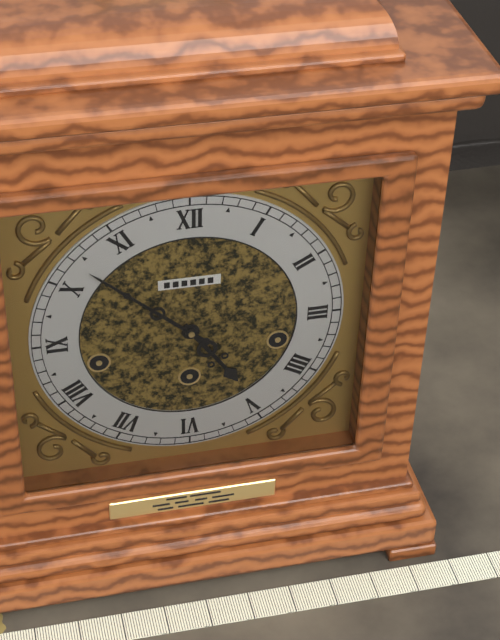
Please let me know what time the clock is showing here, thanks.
4:52
